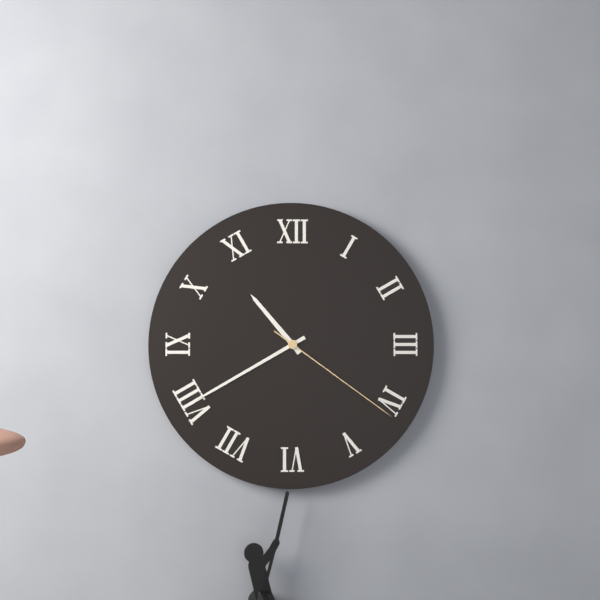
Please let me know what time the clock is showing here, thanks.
10:40:21
